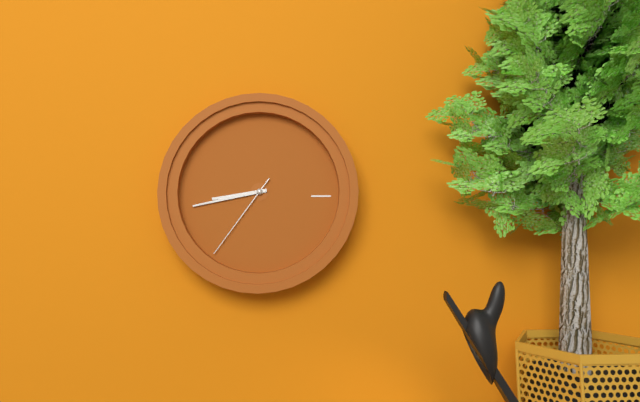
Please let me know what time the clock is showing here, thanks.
8:43:36
